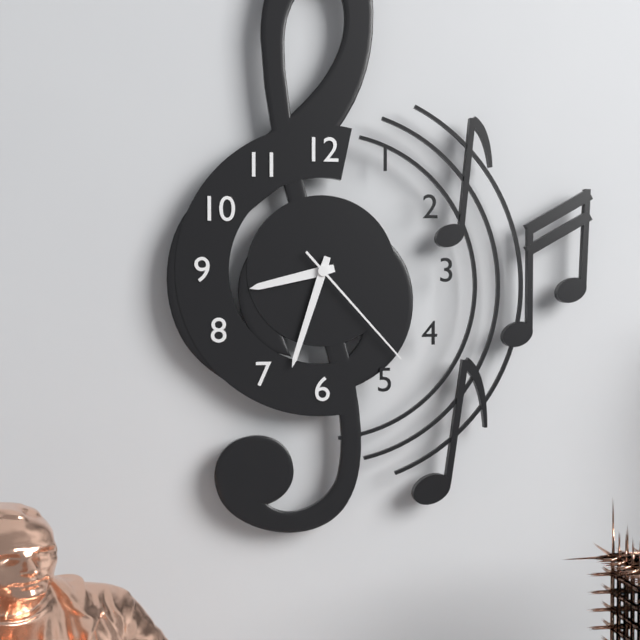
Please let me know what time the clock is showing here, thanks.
8:33:23
